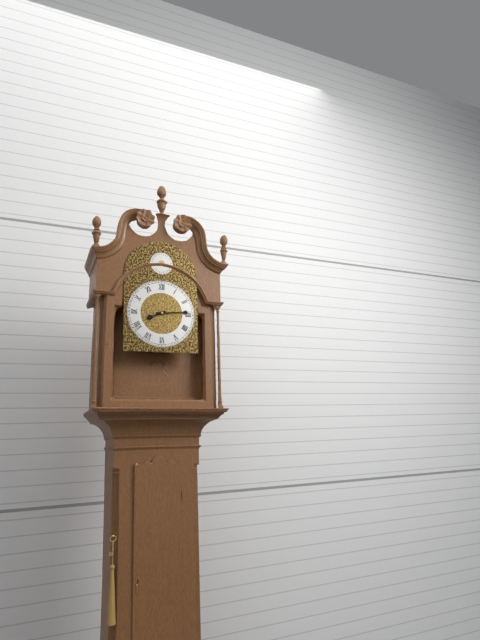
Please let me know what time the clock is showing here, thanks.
8:14
